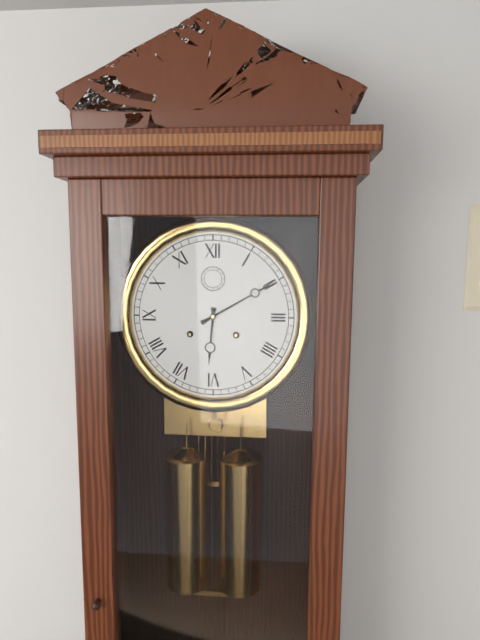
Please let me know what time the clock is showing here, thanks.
6:10
